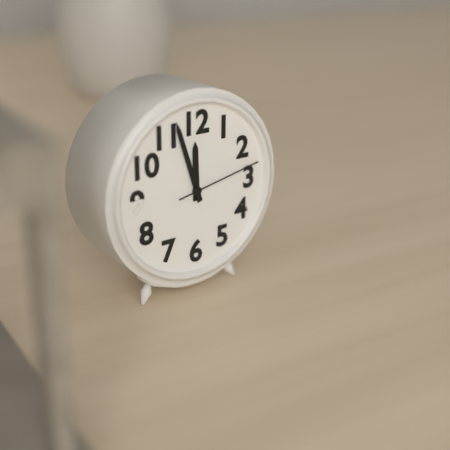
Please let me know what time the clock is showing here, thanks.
11:57:13
